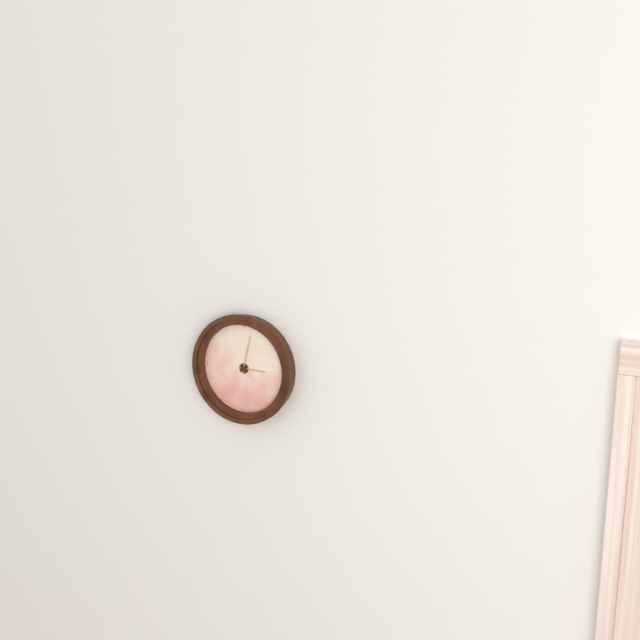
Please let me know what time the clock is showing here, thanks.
3:02
